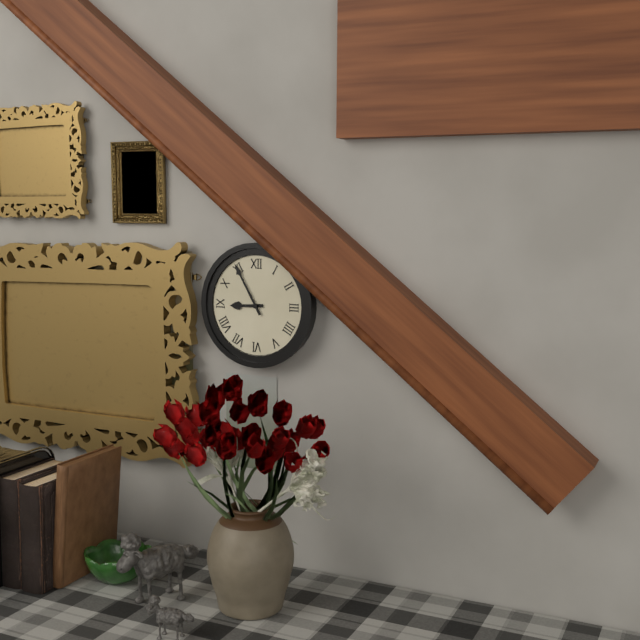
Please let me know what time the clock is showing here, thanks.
8:55
